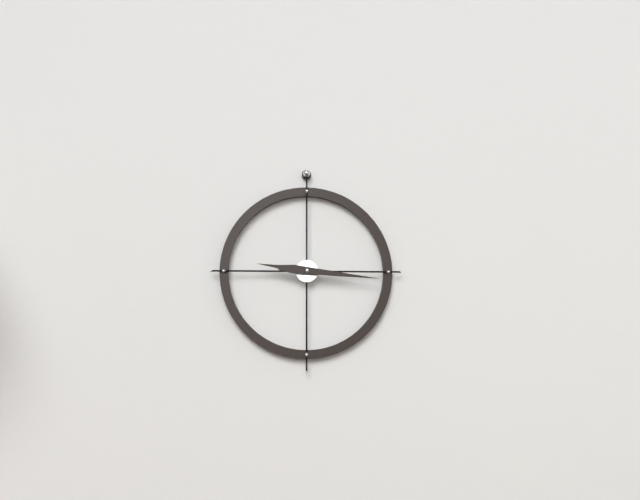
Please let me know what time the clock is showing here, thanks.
9:16
